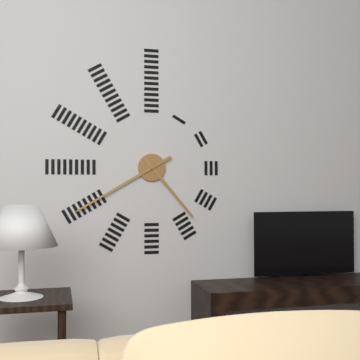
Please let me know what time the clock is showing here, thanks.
4:40
